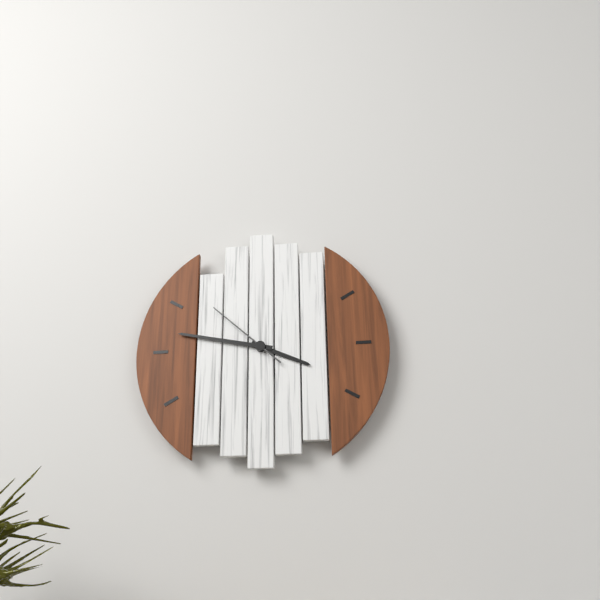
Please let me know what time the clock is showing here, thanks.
3:47:52
